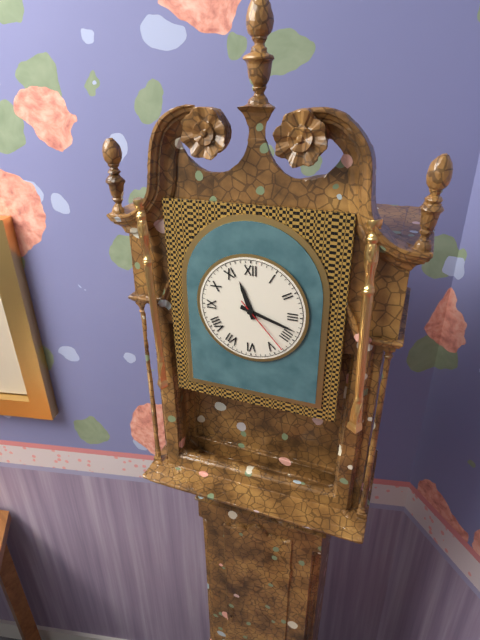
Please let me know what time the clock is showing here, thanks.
11:18:23
